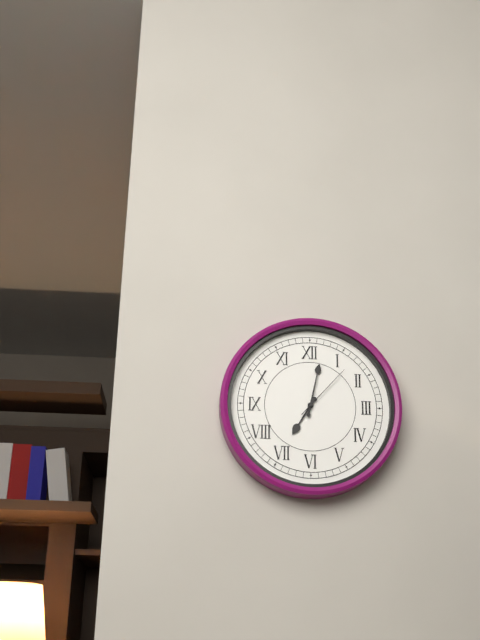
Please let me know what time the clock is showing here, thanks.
7:02:07
